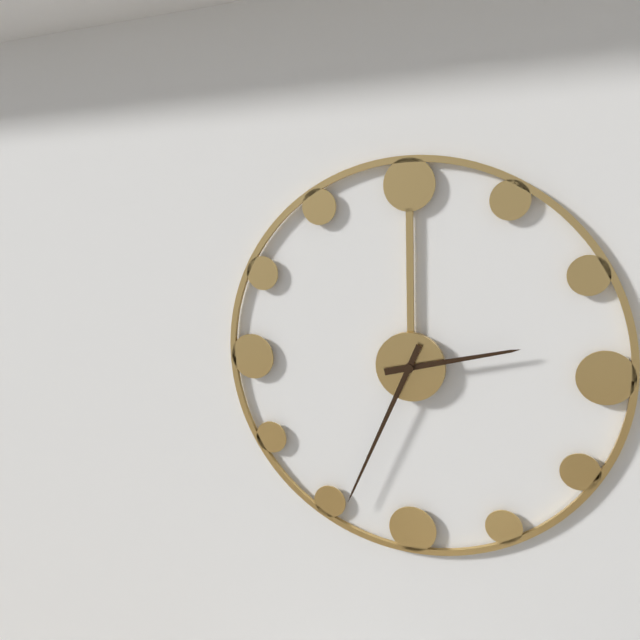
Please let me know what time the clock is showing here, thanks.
2:34
